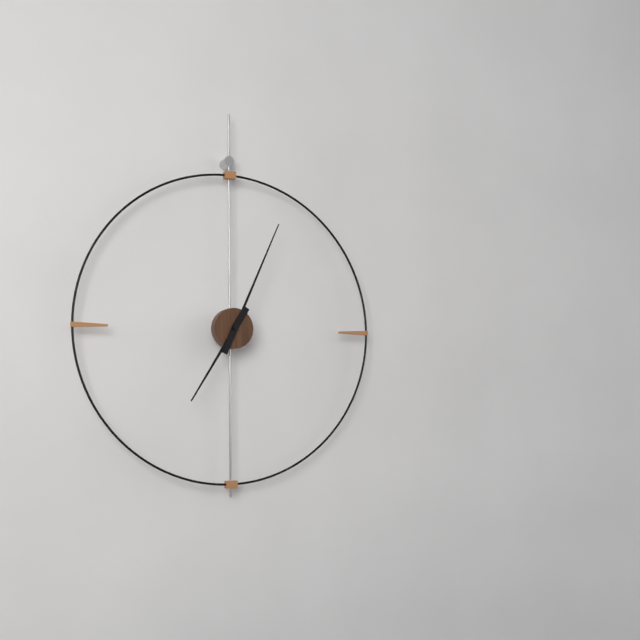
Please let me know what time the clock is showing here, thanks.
7:04
